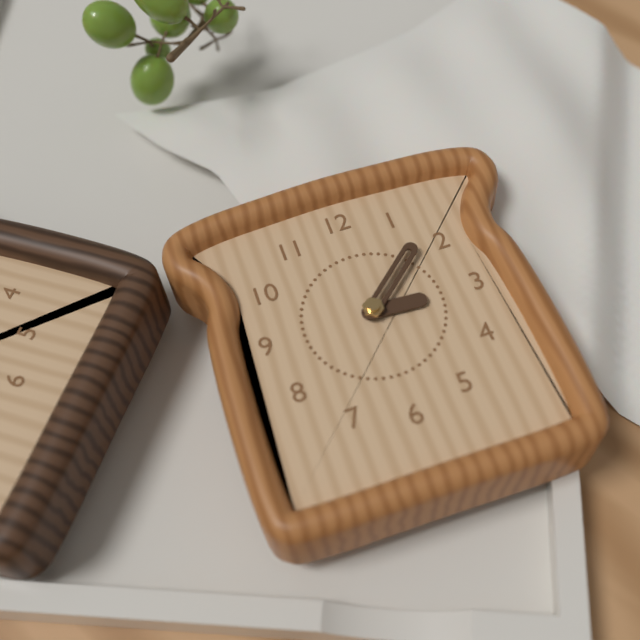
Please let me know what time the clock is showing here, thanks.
3:08
